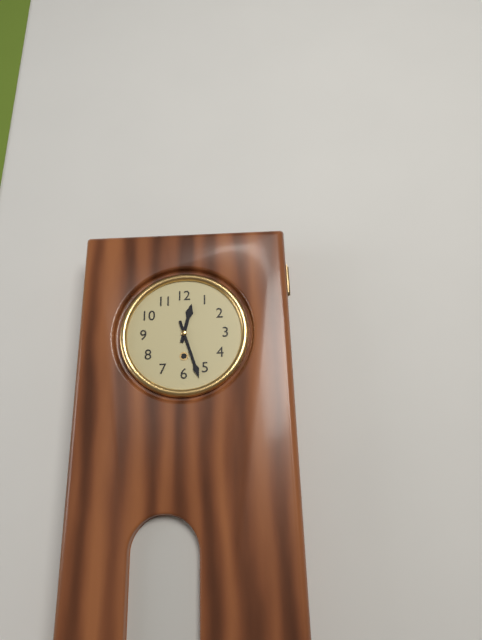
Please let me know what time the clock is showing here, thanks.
12:27
